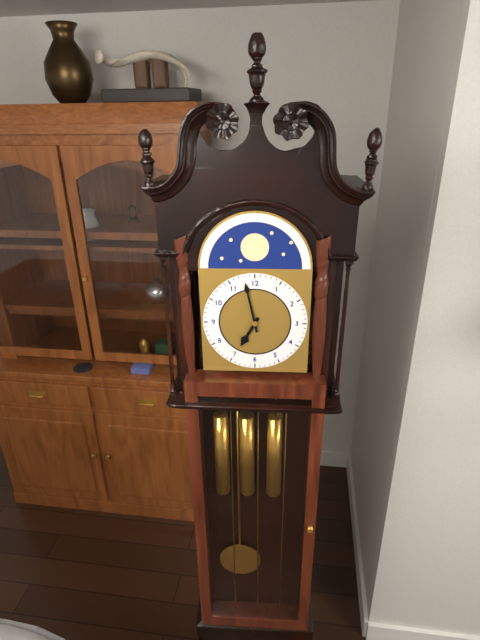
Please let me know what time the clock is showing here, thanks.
6:58
